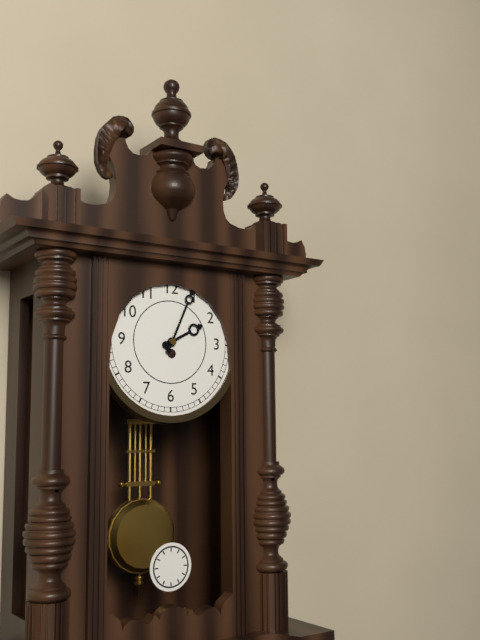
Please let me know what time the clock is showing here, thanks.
2:04
